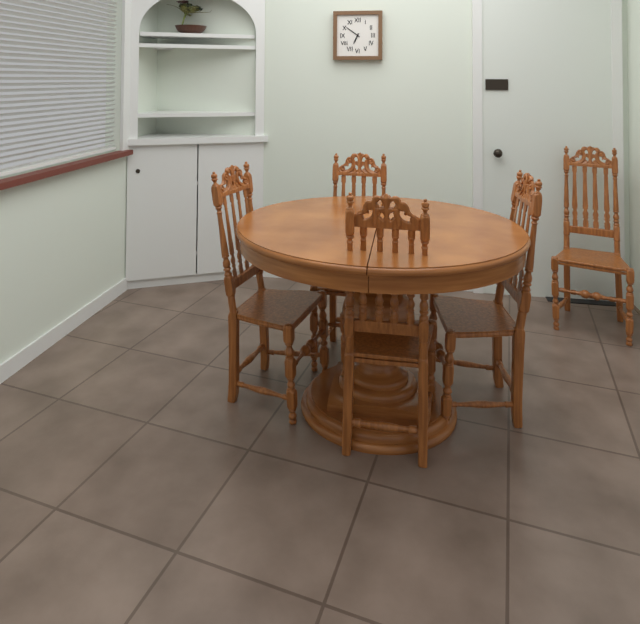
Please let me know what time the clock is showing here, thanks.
6:51
